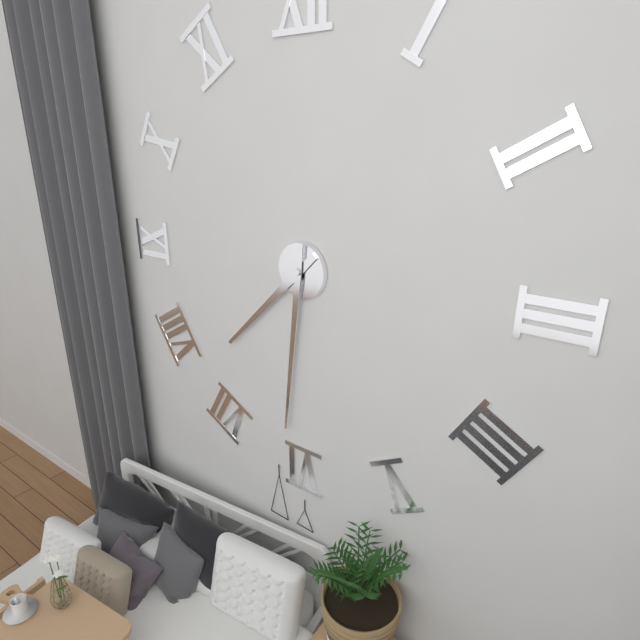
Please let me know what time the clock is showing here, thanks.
7:31
